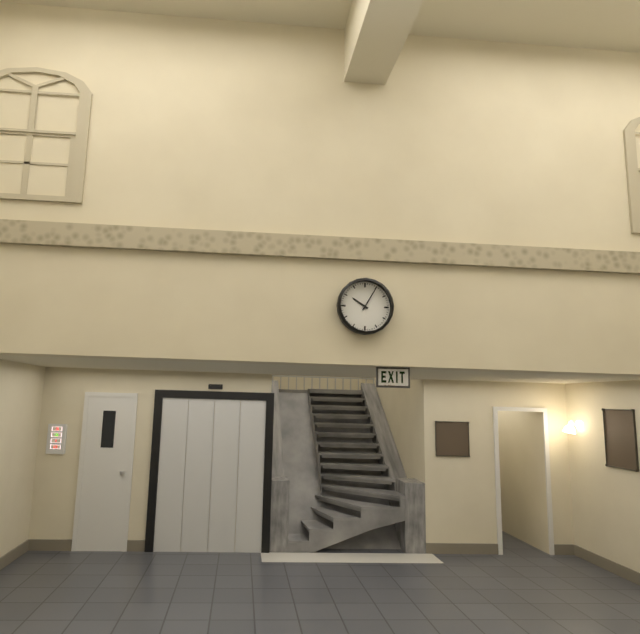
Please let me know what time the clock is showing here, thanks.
10:05
